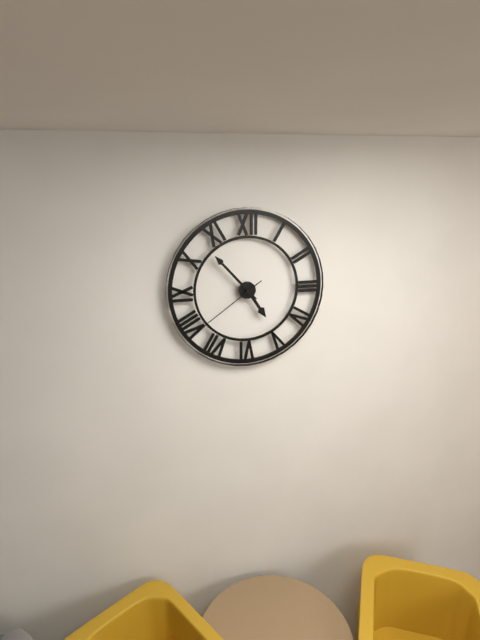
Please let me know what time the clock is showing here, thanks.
4:53:39
